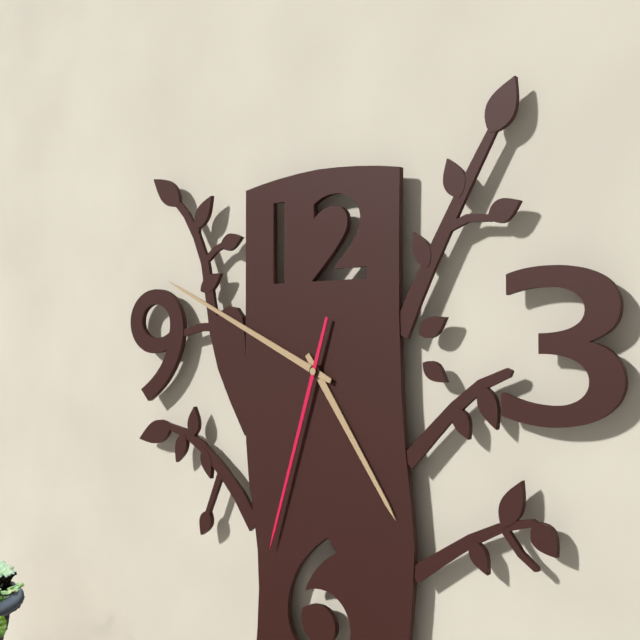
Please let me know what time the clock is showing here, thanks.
4:49:33
